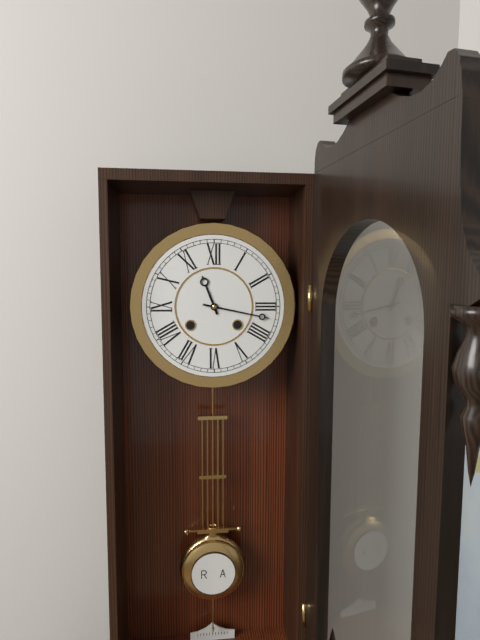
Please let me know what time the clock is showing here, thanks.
11:17
